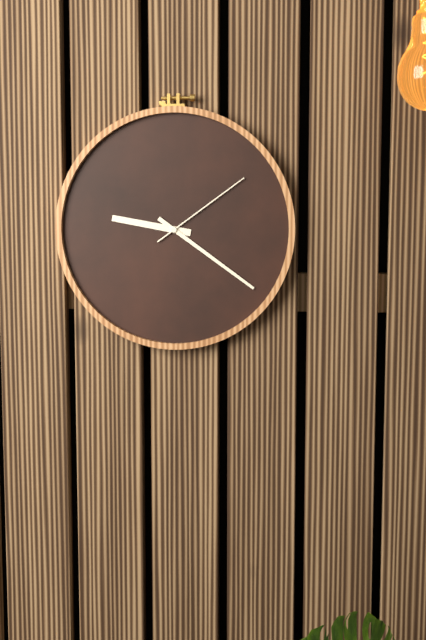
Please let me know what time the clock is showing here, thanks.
9:21:09
